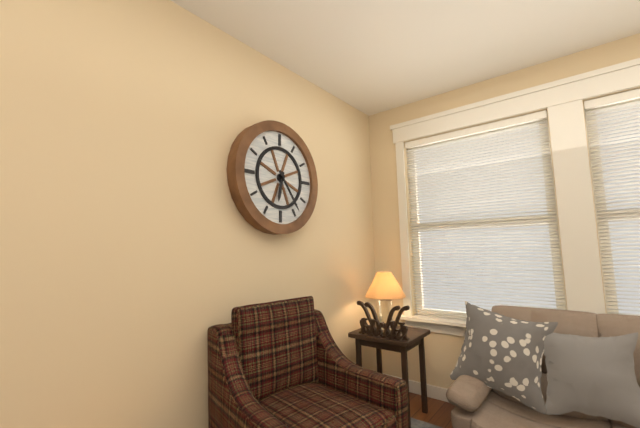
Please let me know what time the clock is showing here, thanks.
6:24
